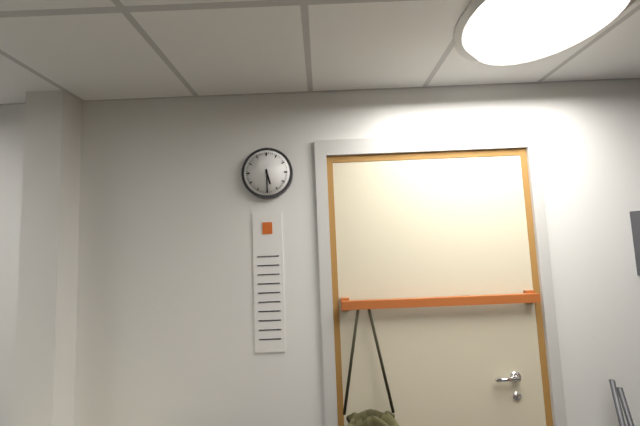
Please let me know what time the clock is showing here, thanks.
5:30
